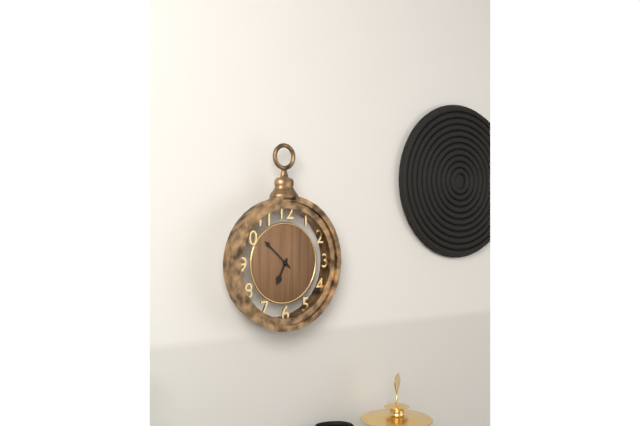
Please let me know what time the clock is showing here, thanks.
6:52
